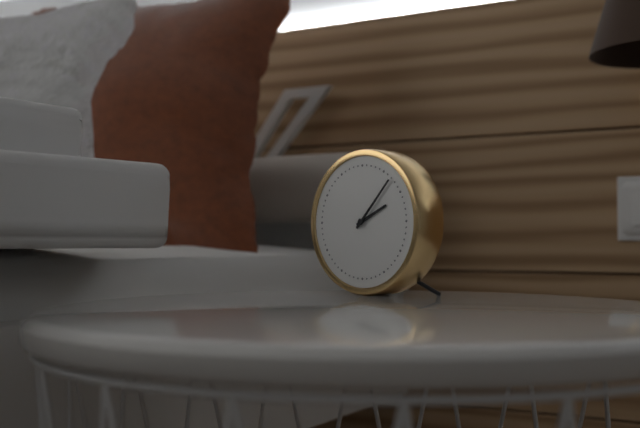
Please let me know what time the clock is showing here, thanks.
2:07
